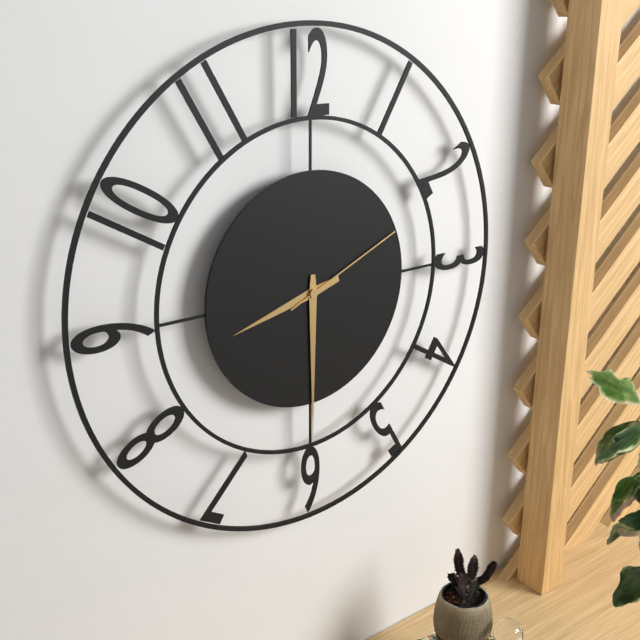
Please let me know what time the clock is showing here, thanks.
8:30:11
